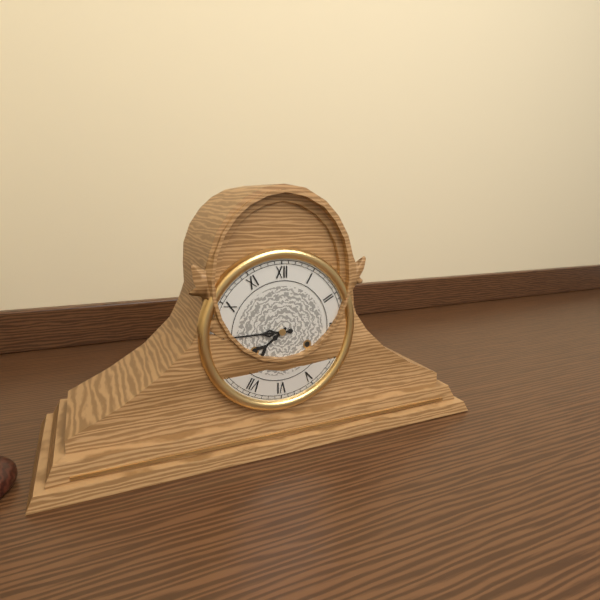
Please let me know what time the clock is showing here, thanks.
7:45
